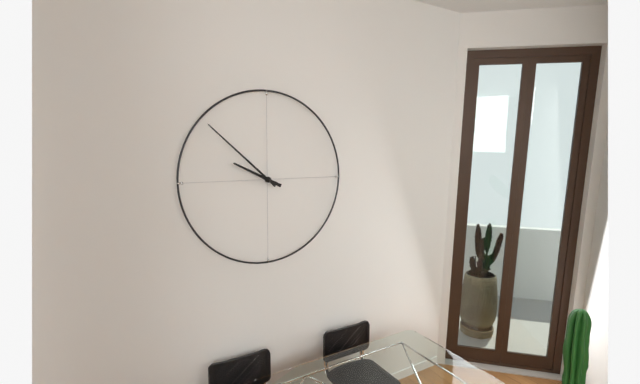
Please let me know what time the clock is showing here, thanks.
9:52
